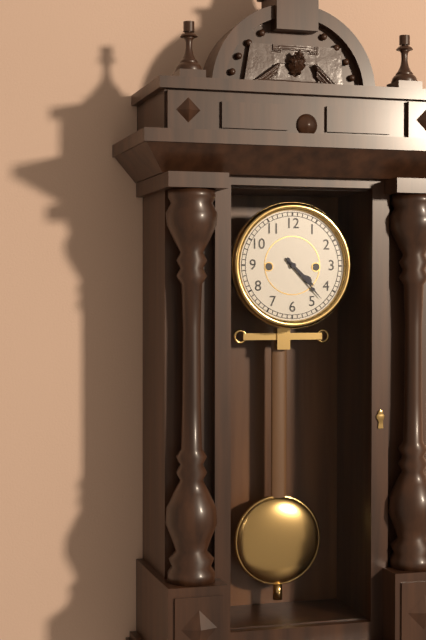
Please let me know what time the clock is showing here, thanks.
4:23
